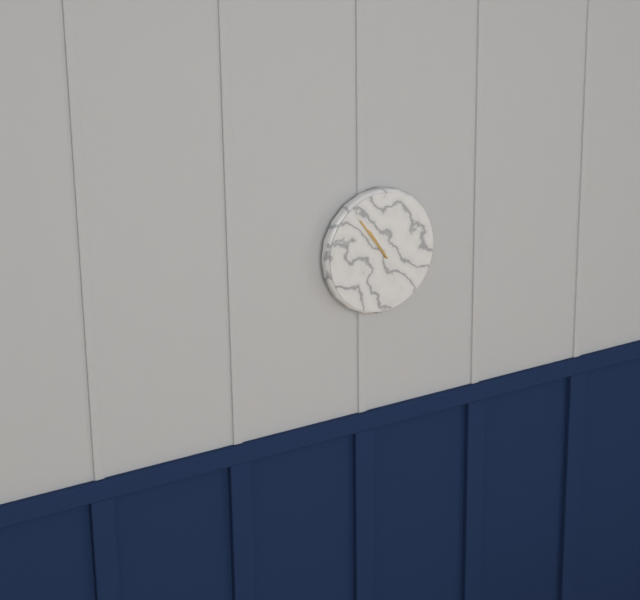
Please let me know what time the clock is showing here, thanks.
10:54
